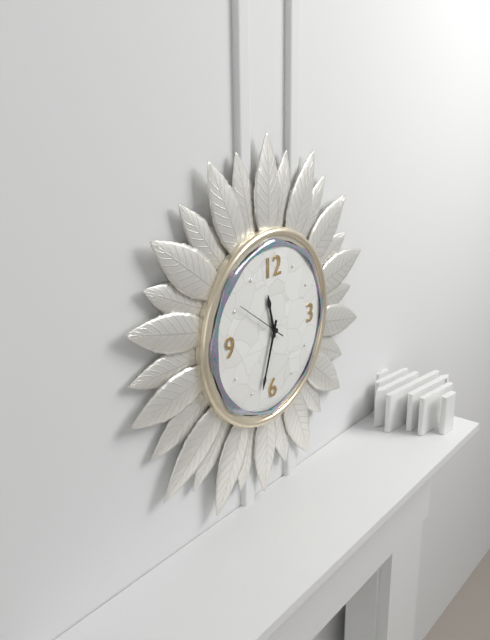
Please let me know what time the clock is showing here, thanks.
11:33:51
